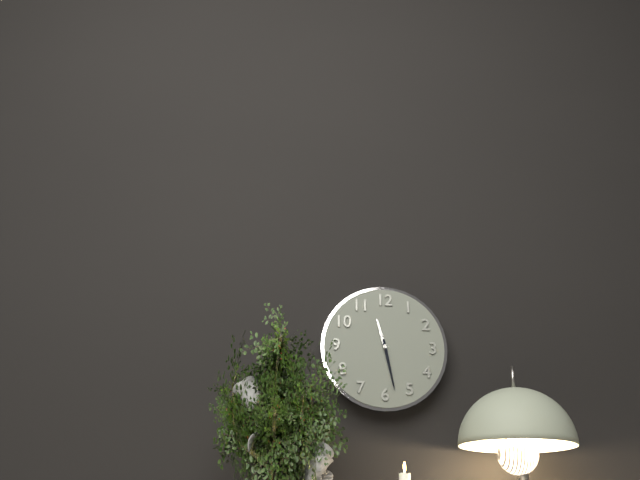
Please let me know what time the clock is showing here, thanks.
11:28
